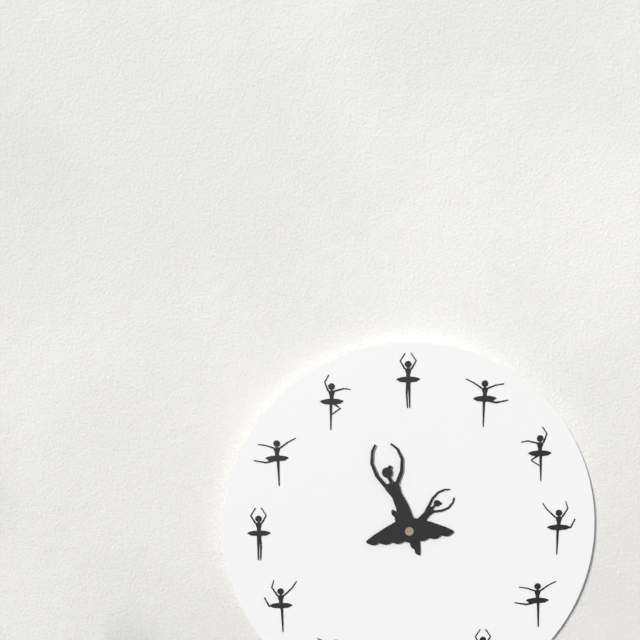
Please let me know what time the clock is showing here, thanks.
1:59
